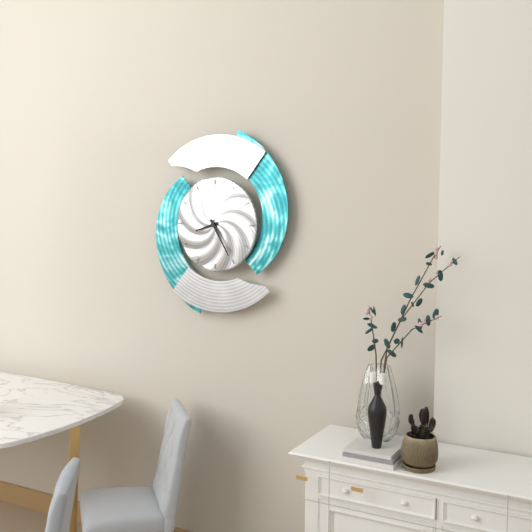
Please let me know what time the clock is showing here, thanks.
8:25
